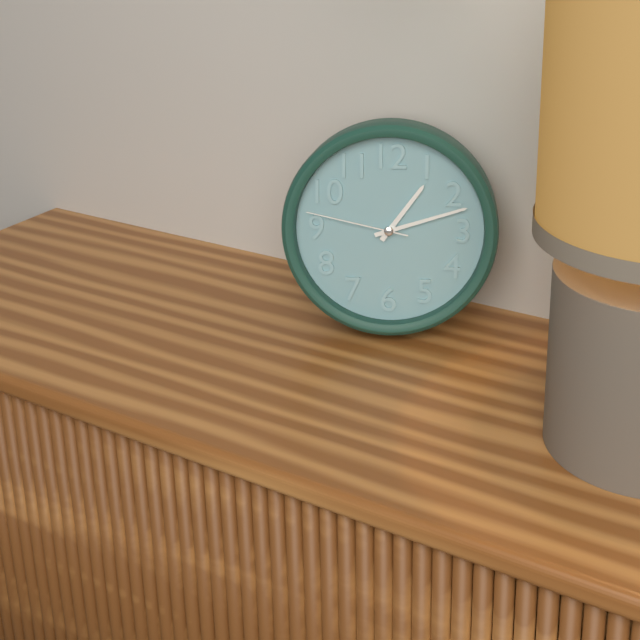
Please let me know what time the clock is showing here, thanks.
1:12:47
